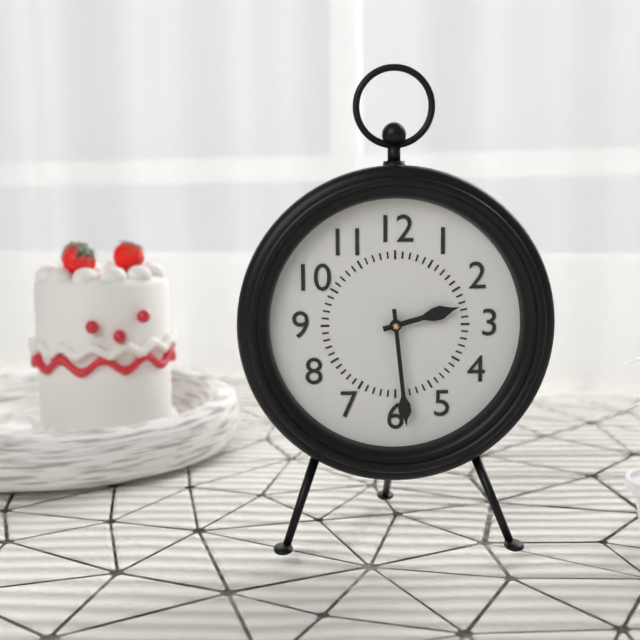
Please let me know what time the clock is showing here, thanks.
2:29
